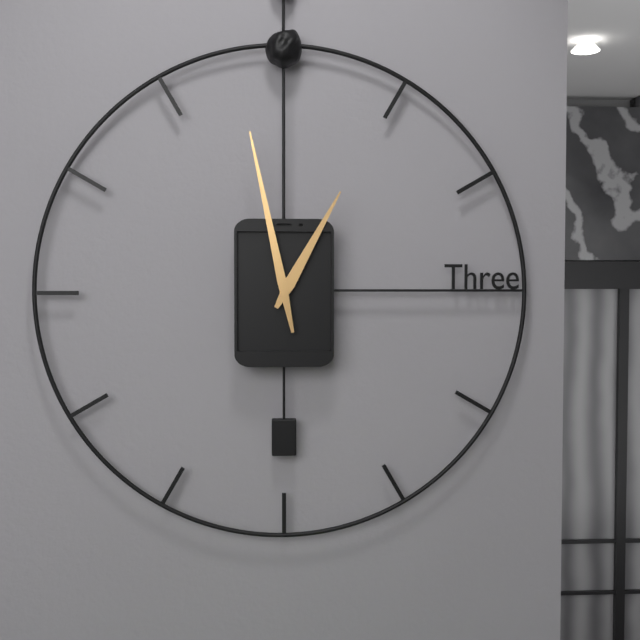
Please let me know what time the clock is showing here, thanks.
12:58
